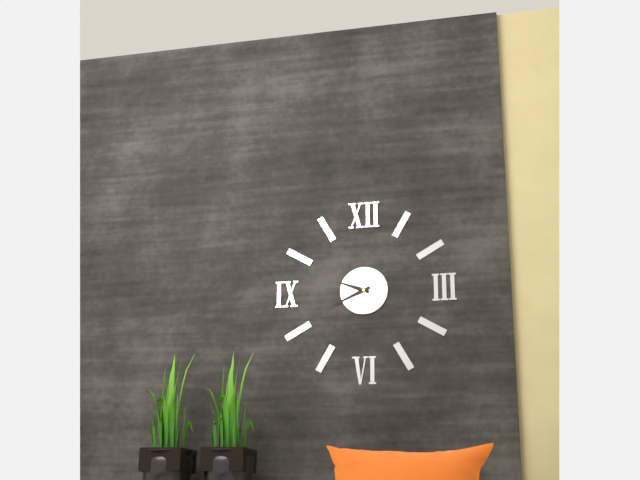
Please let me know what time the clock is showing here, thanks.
9:41
